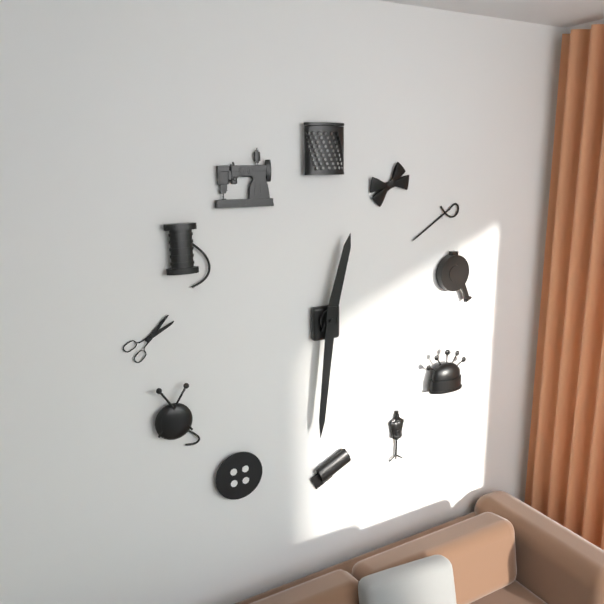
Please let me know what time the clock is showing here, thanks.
12:31
